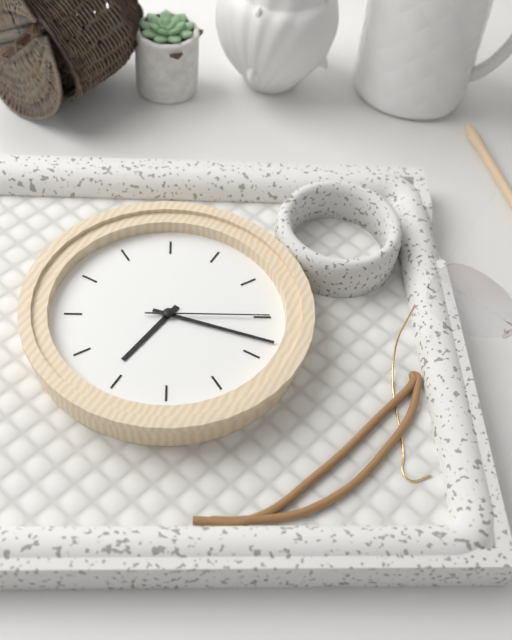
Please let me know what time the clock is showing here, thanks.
6:13:10
